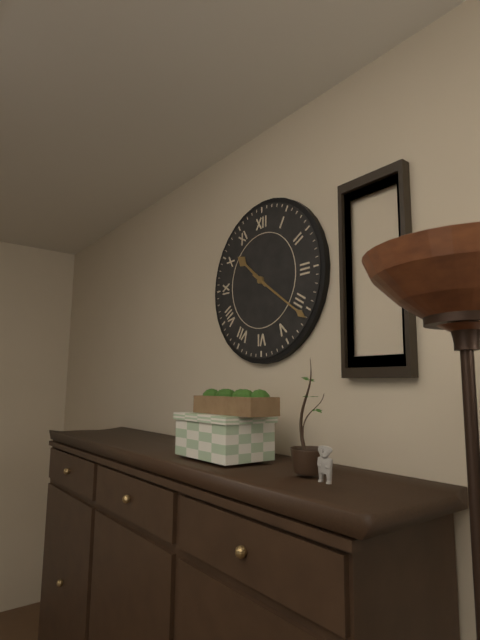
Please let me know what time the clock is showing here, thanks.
10:21
